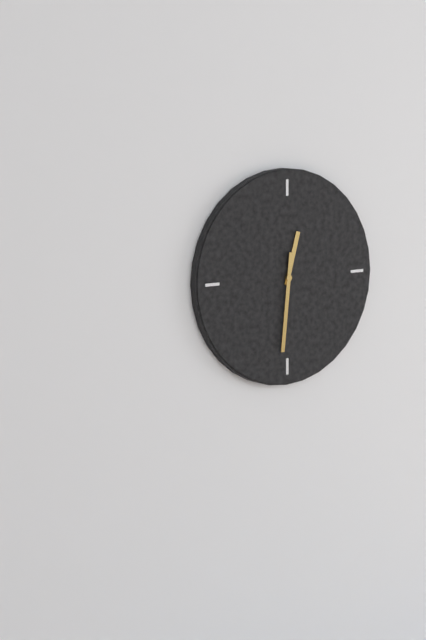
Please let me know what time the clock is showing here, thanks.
12:31
